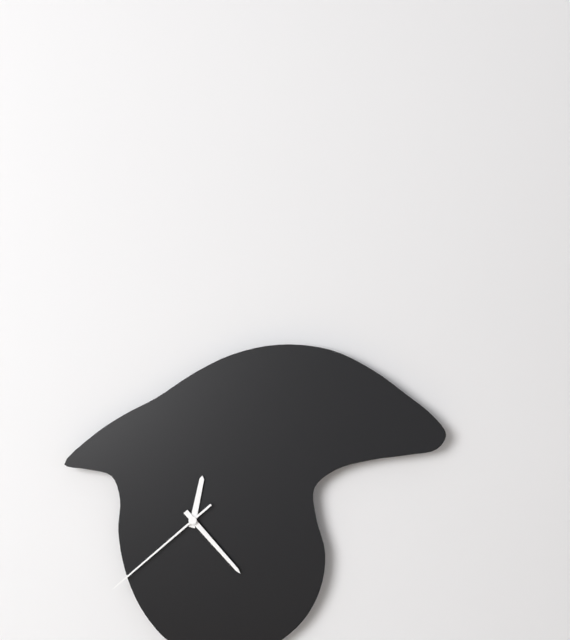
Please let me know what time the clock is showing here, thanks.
12:23:38
